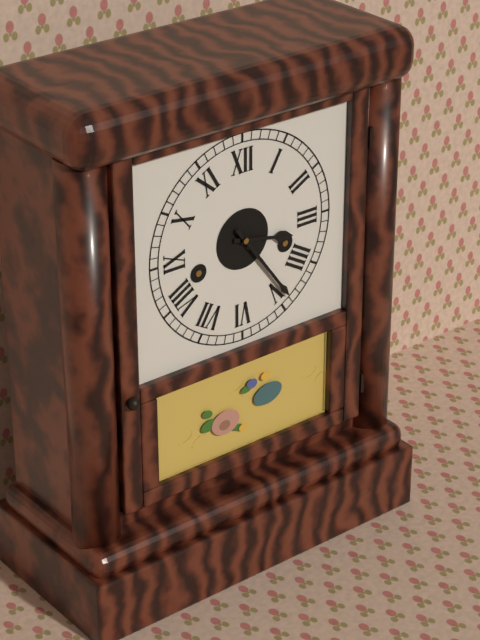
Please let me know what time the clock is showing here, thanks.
3:24
